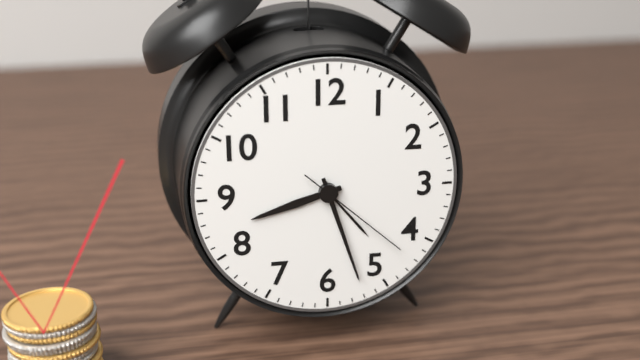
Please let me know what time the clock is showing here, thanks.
8:27:22
